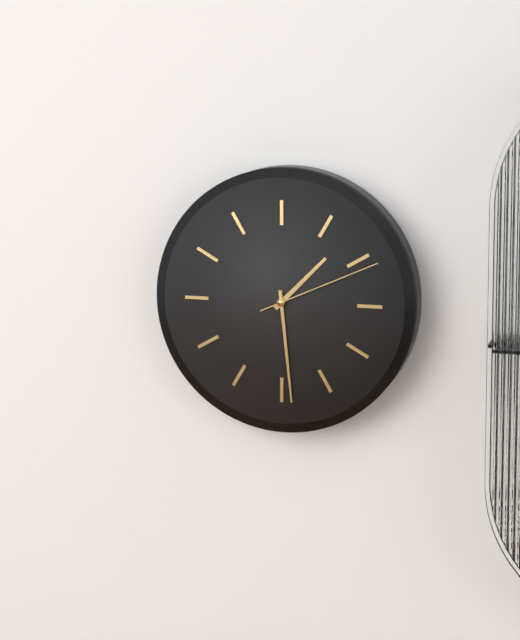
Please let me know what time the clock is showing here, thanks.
1:29:11
